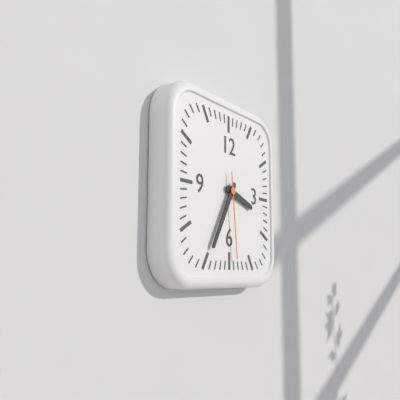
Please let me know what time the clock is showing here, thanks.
3:35:29
